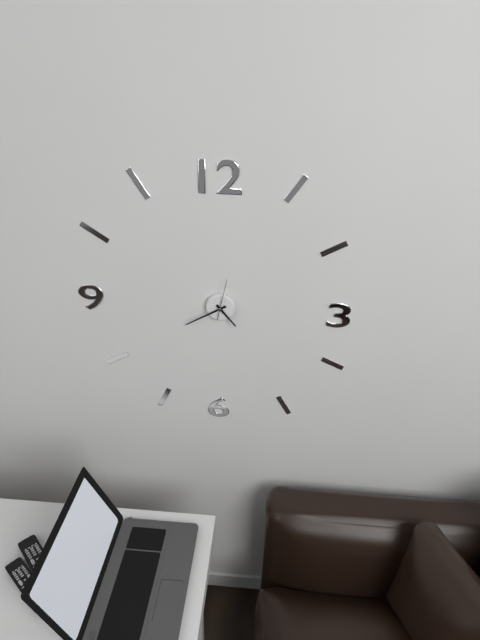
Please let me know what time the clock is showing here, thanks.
4:40
